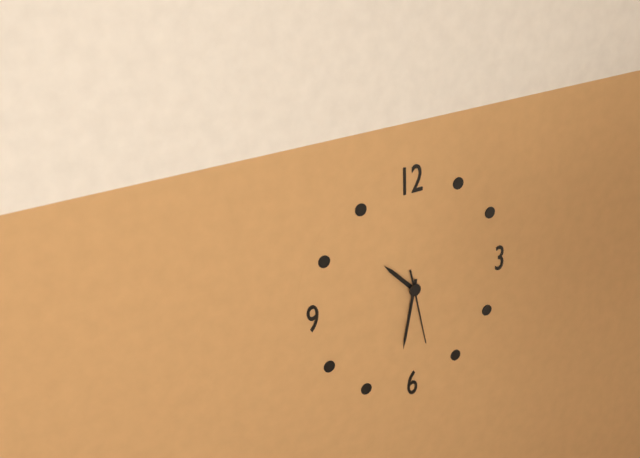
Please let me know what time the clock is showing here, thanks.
10:32:28
